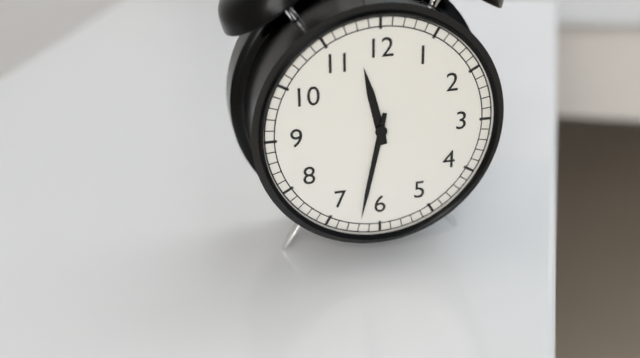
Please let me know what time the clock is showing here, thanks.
11:32
